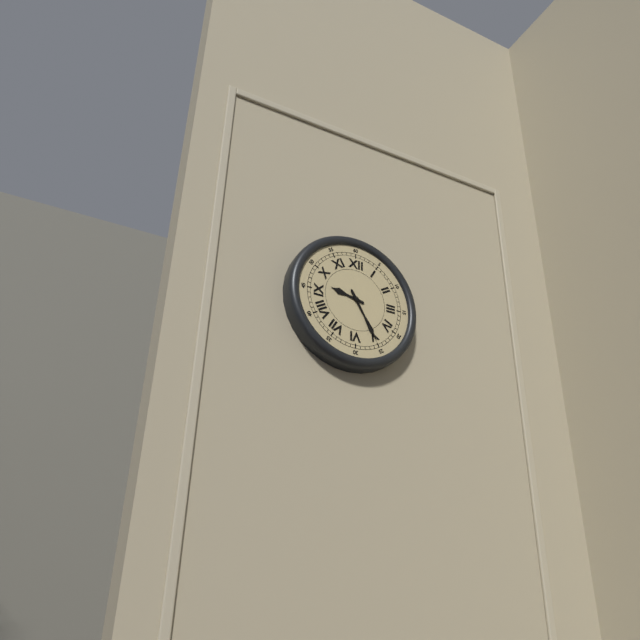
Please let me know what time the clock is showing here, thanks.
9:25
